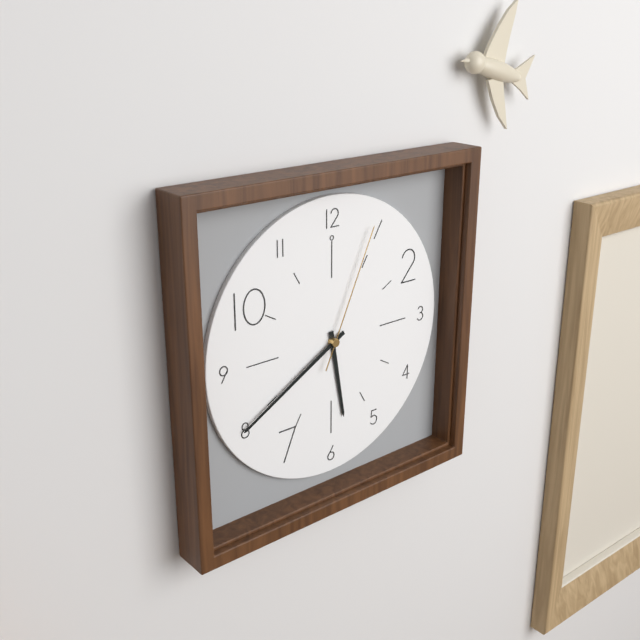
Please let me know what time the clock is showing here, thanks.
5:40:04
